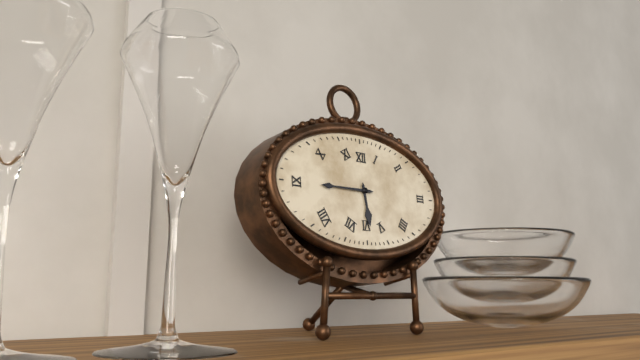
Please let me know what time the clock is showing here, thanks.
5:45
